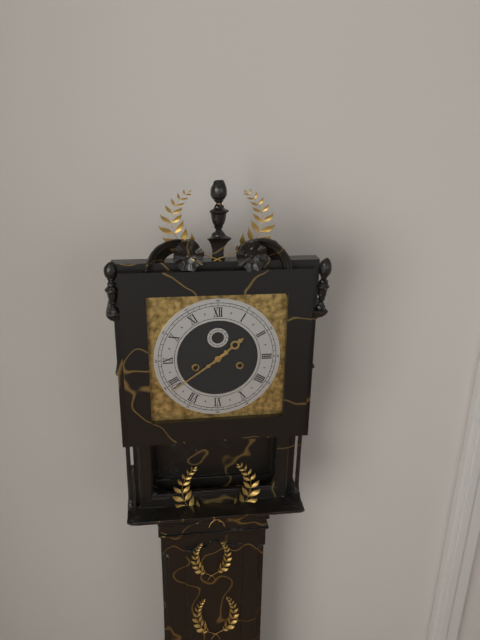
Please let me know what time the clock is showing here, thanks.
1:39
